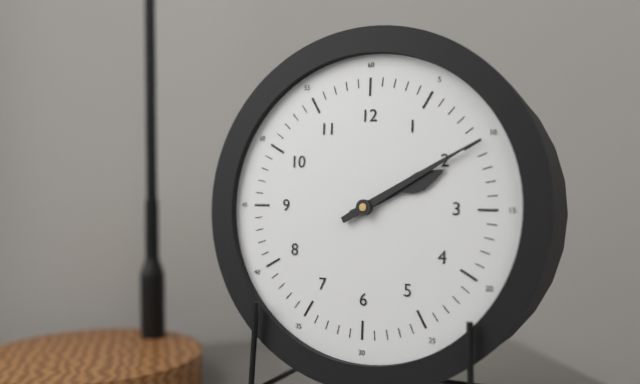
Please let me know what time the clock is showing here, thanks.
2:10
